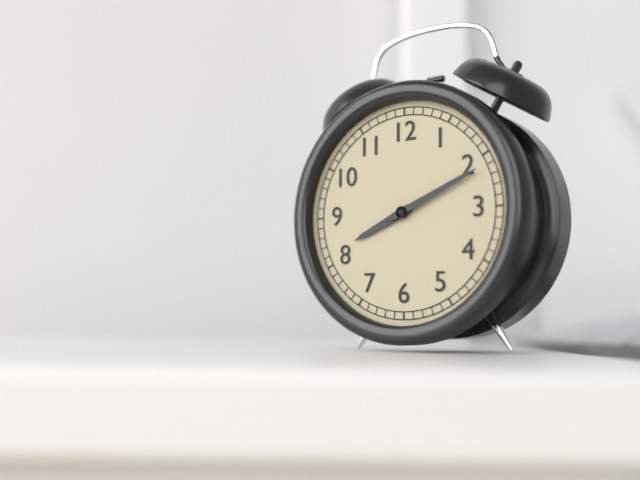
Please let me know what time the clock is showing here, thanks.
8:11
